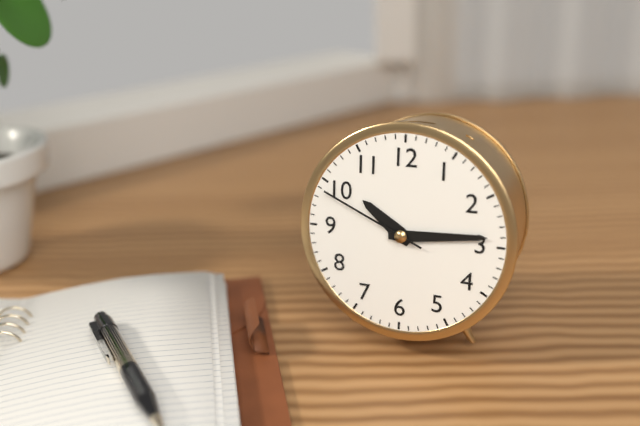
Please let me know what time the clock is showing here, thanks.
10:14:49
